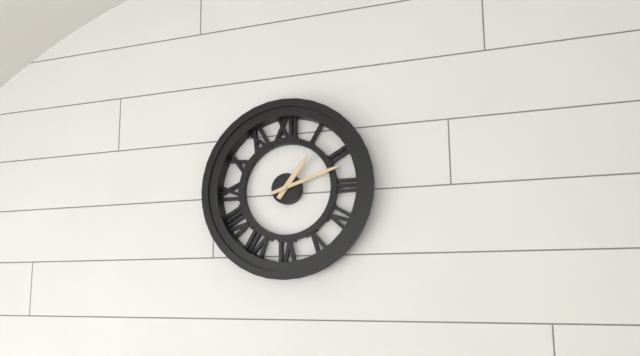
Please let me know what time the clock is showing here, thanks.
1:12
